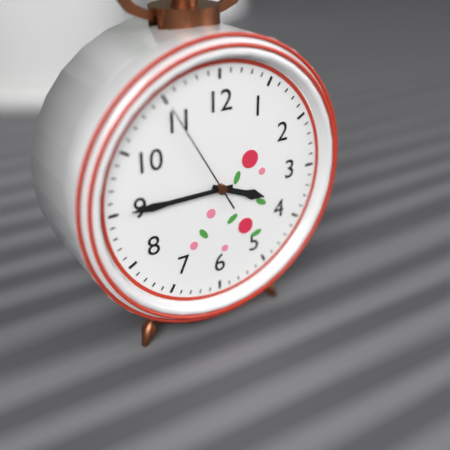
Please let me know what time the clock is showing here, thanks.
3:45:55
